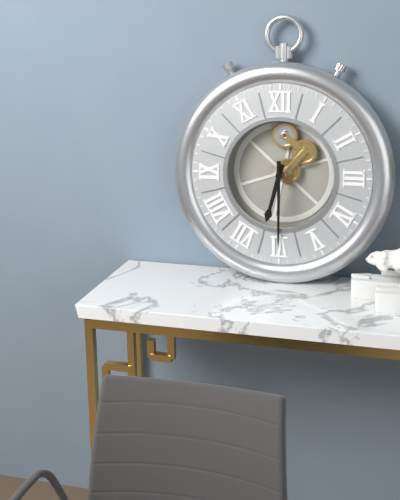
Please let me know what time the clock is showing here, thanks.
6:30
